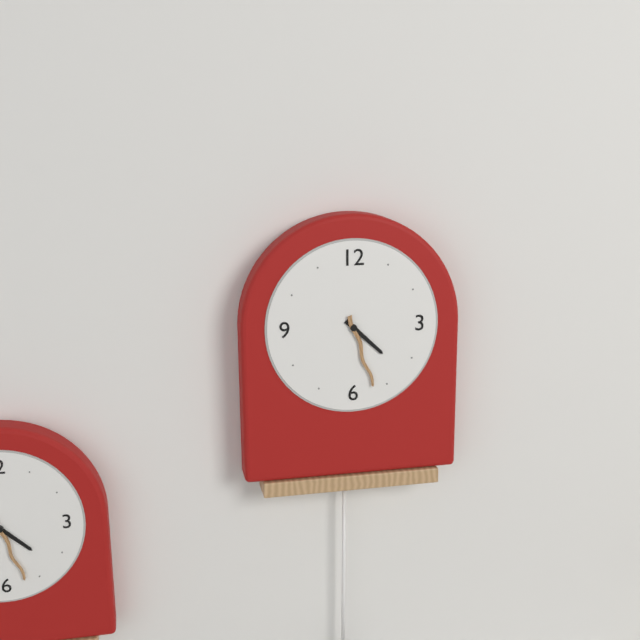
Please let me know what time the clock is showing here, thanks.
4:27
